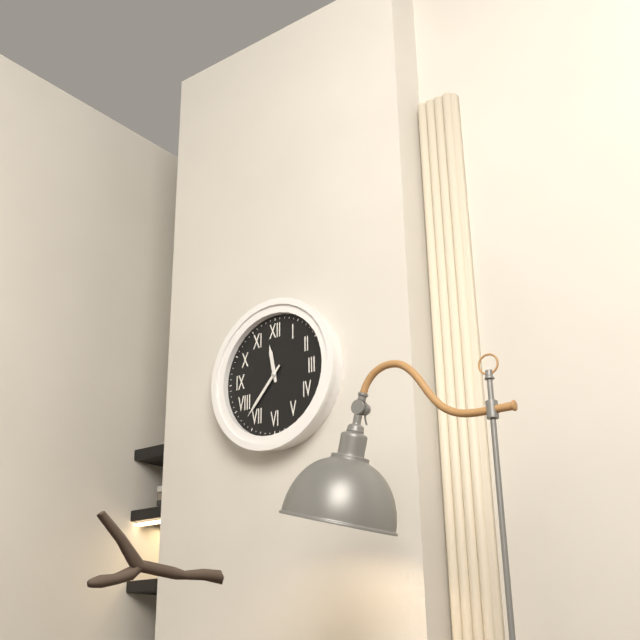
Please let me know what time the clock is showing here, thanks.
11:37
